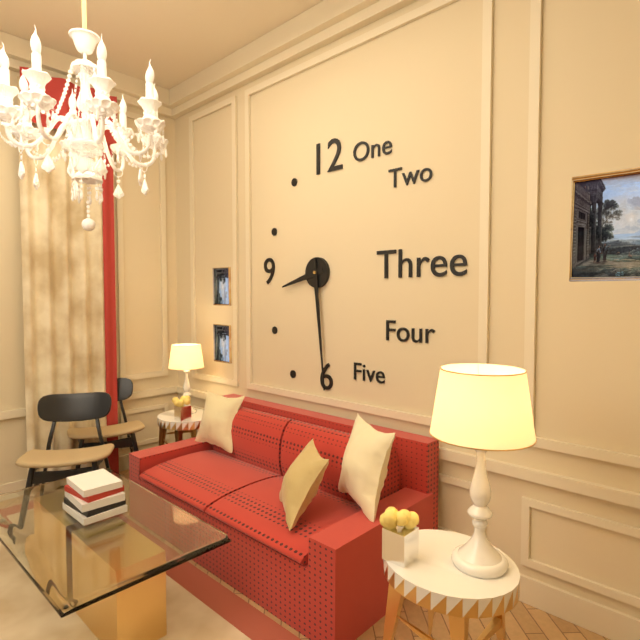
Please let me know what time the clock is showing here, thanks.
8:29
